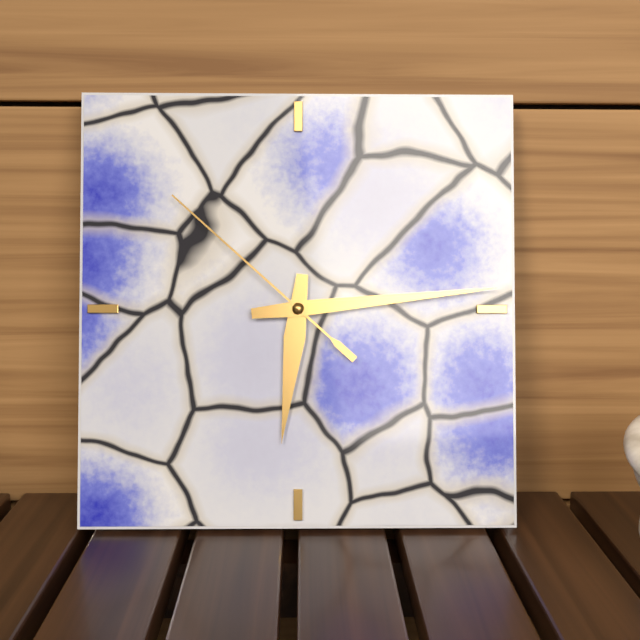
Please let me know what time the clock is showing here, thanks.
6:14:52
